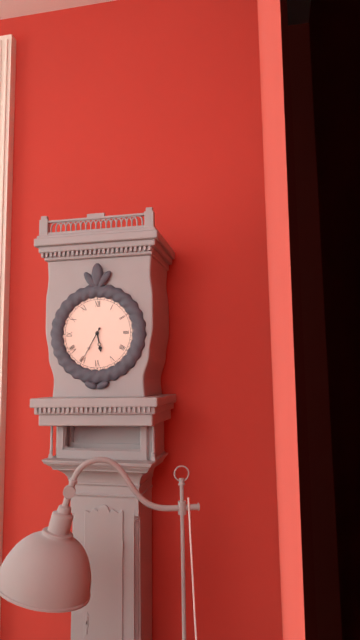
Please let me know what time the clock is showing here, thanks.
5:35
